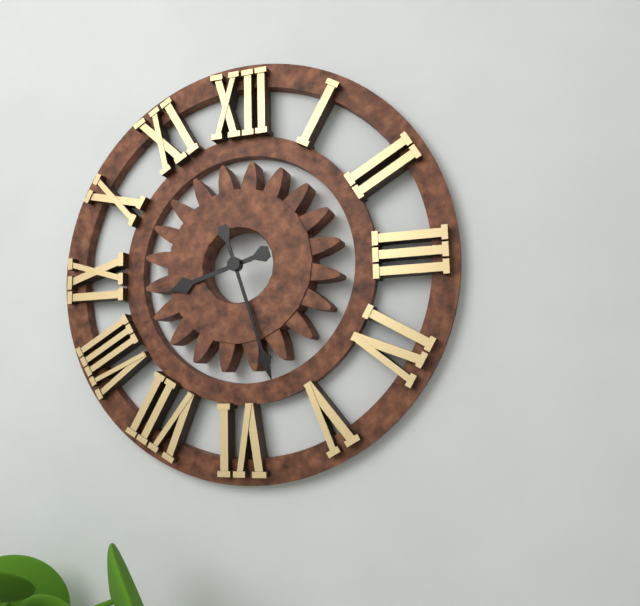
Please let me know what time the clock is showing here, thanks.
8:27
